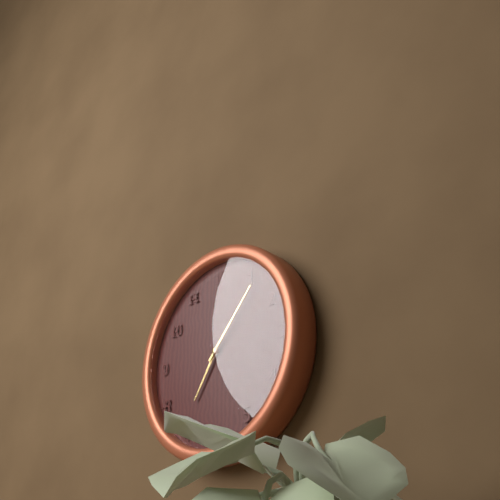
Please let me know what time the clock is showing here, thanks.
7:07
